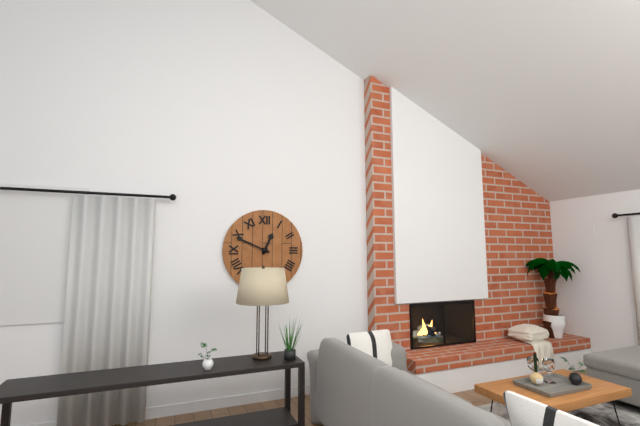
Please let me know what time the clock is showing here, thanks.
12:49
